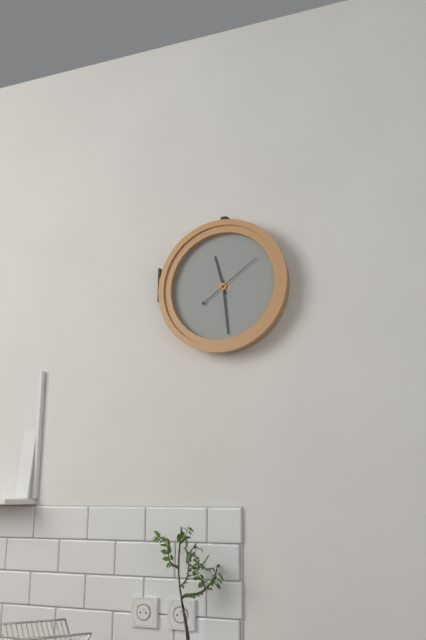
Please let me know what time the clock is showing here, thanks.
11:29:09
